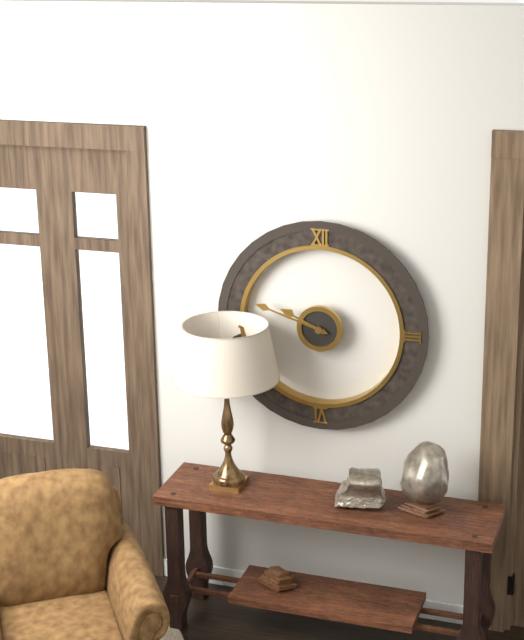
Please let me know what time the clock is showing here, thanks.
9:48
